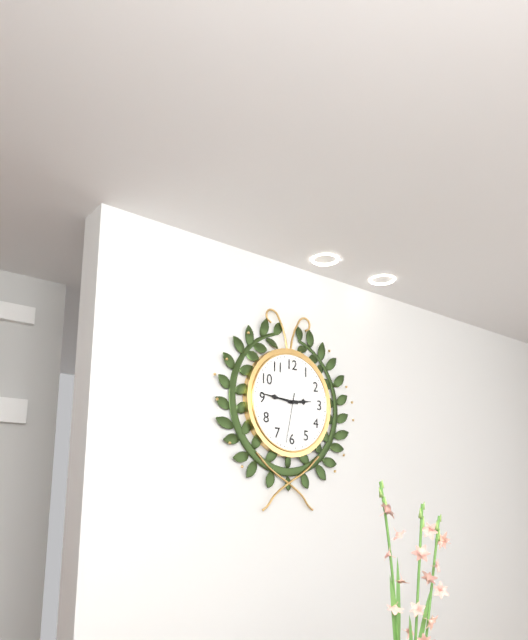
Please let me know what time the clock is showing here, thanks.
2:46:32
